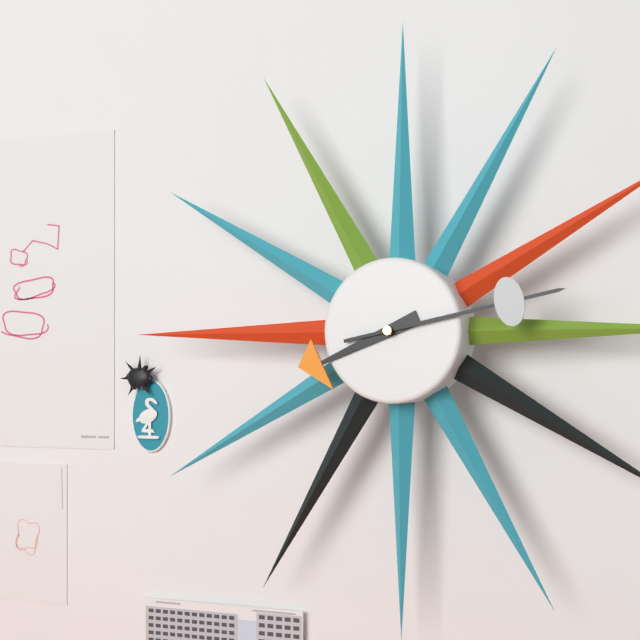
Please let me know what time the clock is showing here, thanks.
8:13
